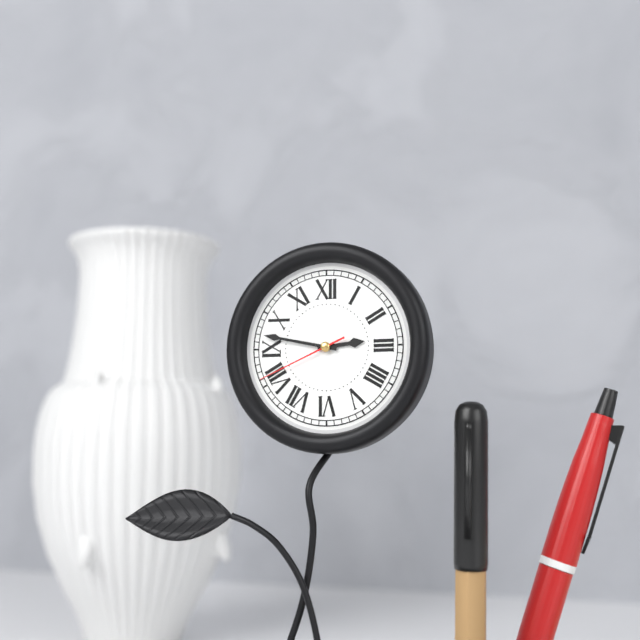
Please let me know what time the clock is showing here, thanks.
2:47:41
